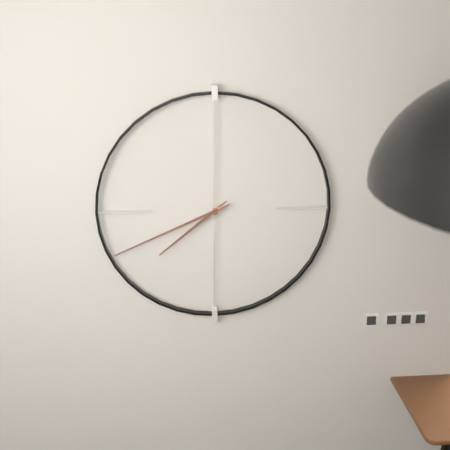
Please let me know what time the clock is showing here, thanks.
7:41
